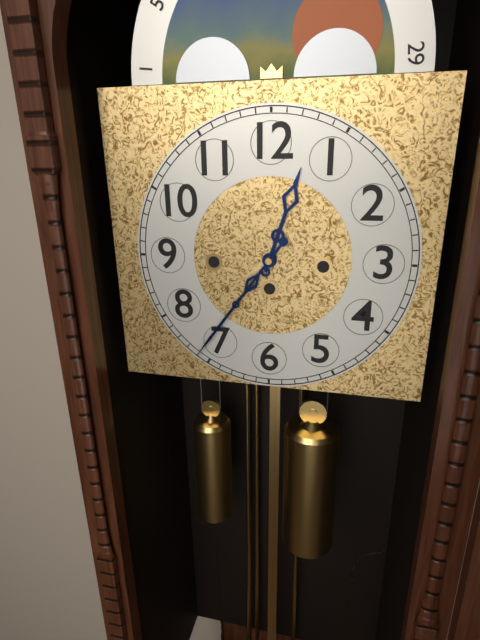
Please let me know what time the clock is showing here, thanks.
12:36
